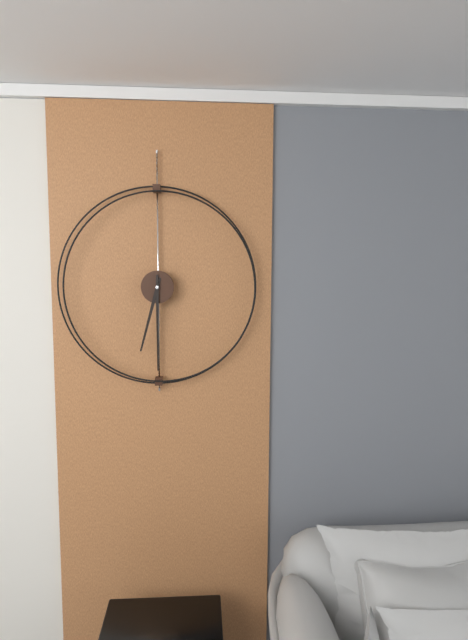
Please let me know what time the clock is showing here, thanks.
6:30
